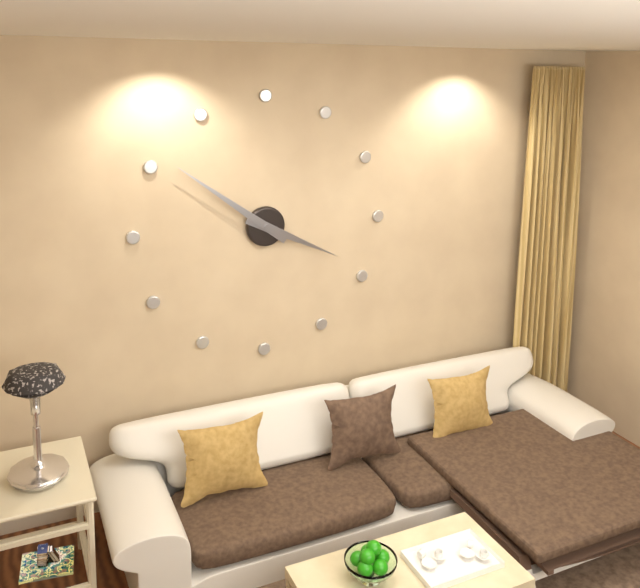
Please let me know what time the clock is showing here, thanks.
3:51
